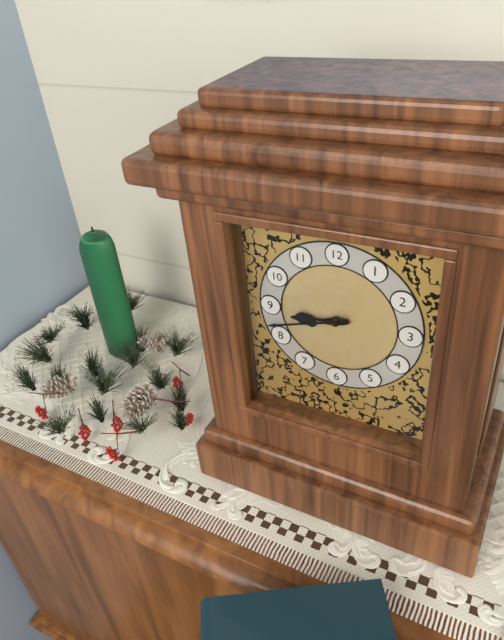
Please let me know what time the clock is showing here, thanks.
8:42
